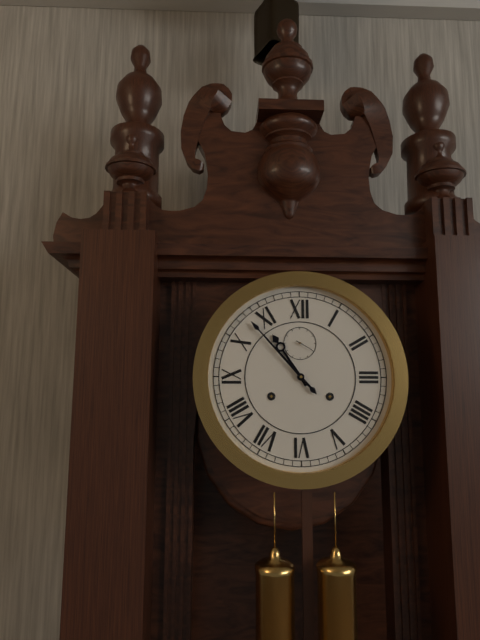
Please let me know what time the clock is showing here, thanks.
10:53
